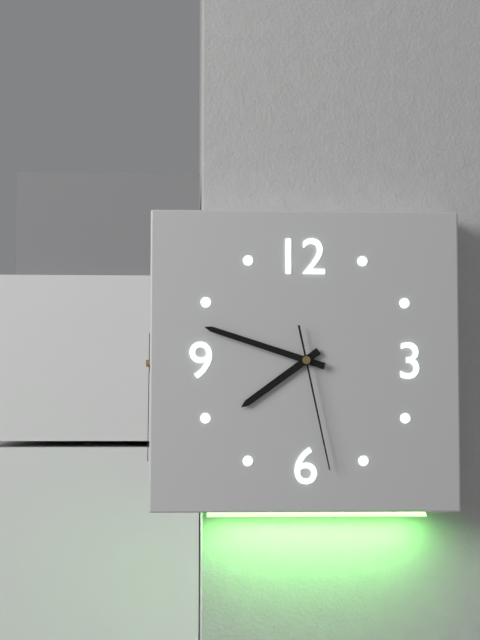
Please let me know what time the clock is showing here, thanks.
7:48:28
